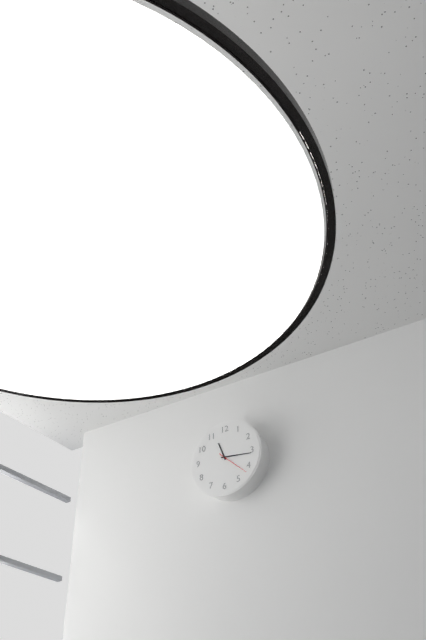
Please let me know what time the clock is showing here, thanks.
11:16
